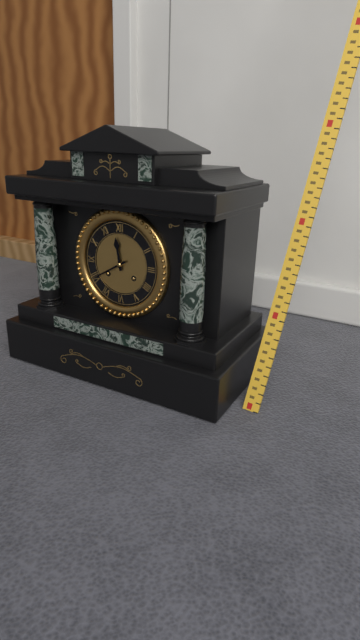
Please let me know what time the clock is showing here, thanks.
11:40
